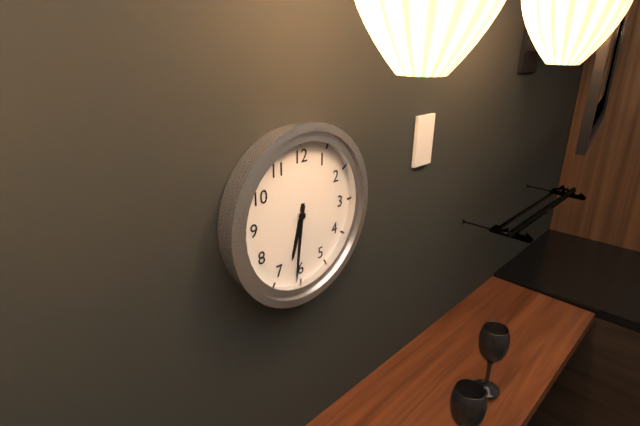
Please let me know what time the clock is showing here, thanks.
6:31
